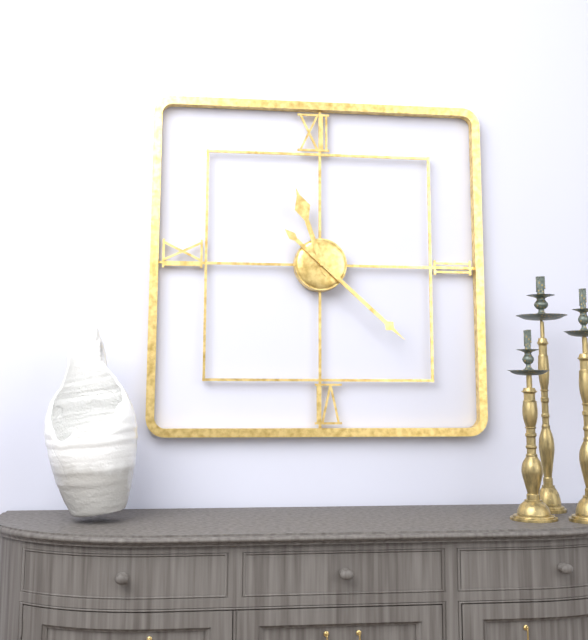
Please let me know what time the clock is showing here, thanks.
11:22
